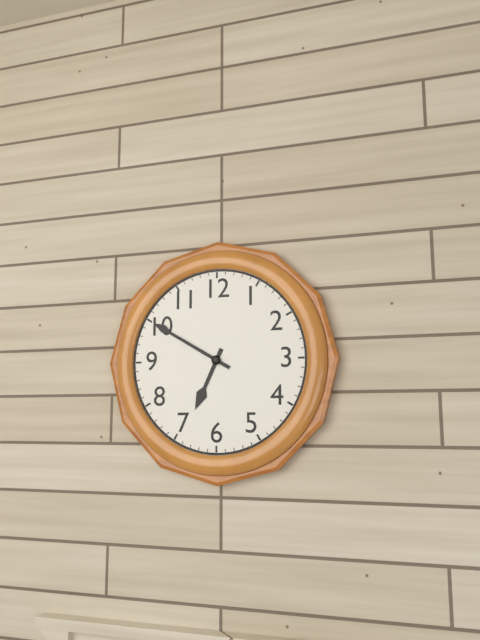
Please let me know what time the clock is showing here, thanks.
6:50
